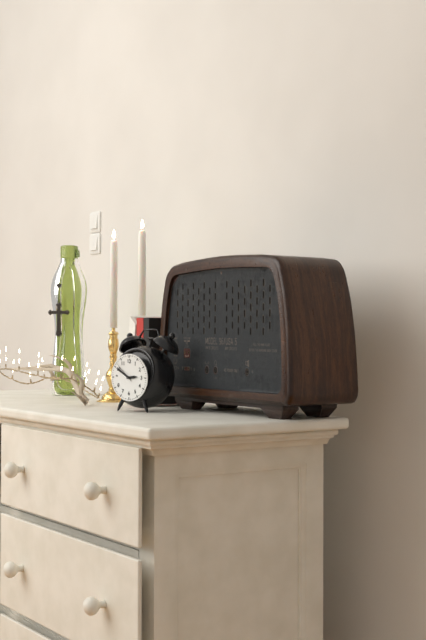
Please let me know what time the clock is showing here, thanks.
2:50
